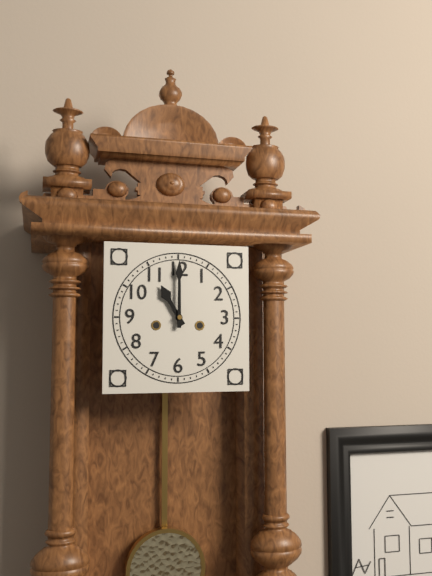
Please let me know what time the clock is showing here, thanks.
11:00
